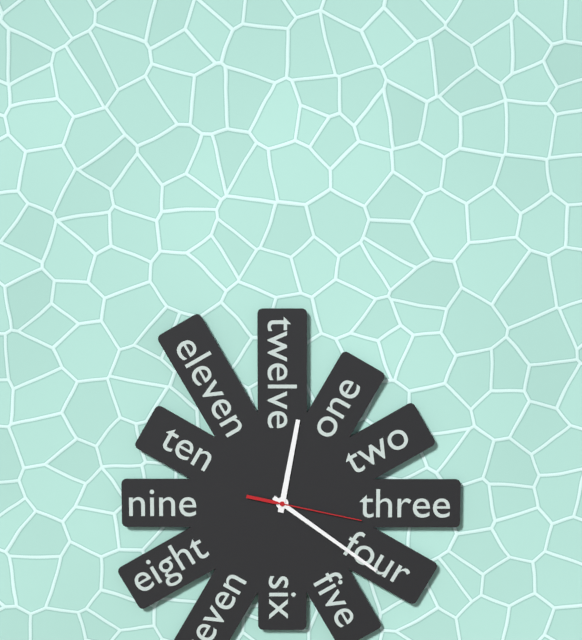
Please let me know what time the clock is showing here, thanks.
12:21:17
